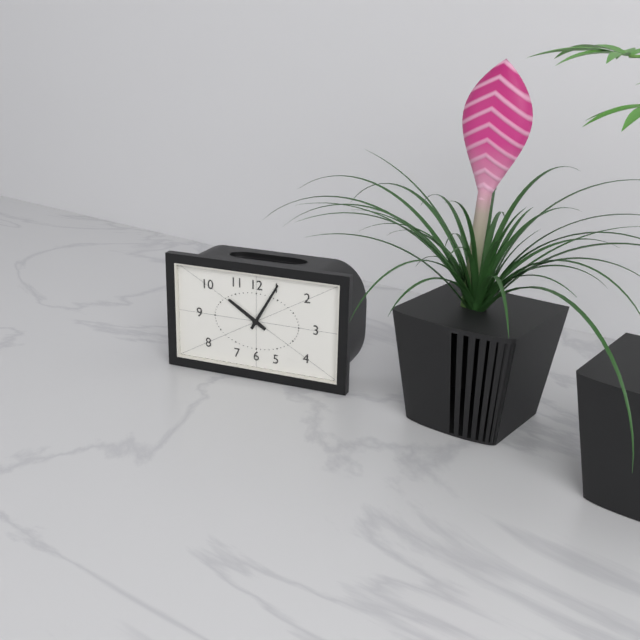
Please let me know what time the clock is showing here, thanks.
10:05
